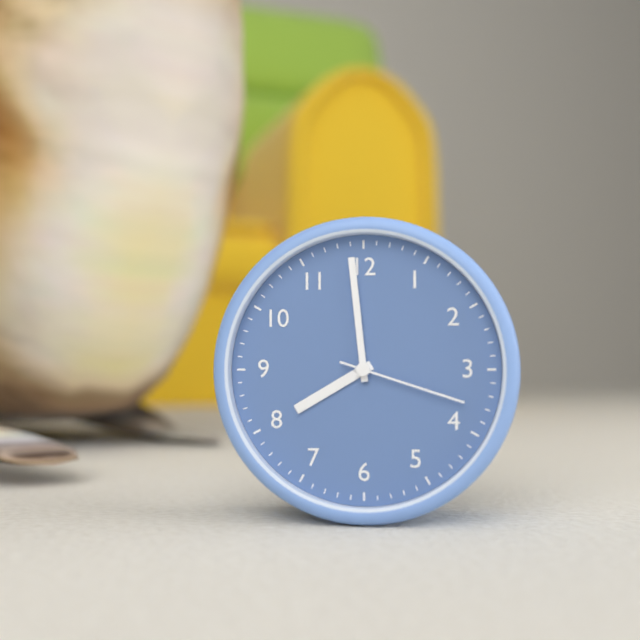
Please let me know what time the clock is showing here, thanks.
7:59:18
